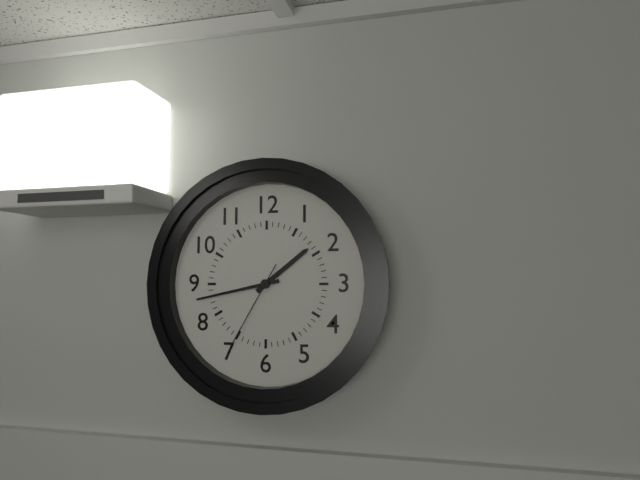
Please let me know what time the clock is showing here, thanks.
1:43:35
